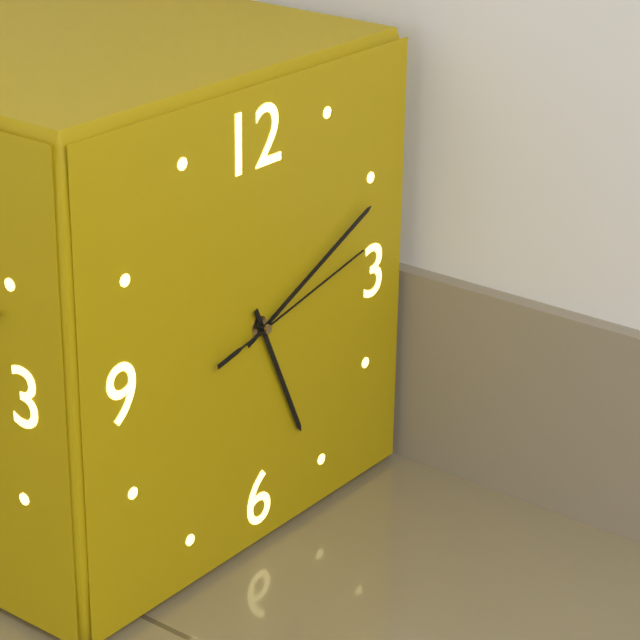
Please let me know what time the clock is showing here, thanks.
5:11:13
